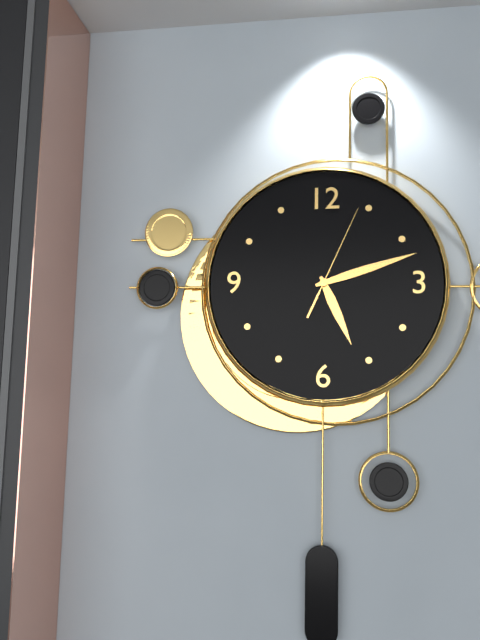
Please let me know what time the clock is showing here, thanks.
5:12:04
